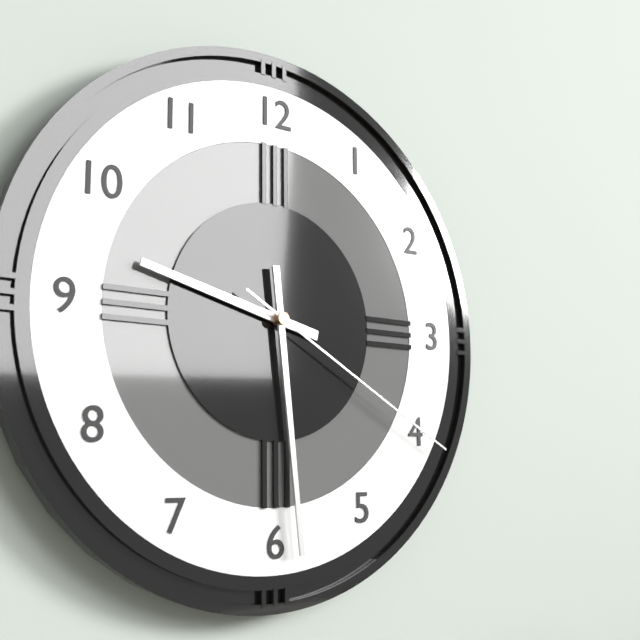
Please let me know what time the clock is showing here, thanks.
9:29:20
